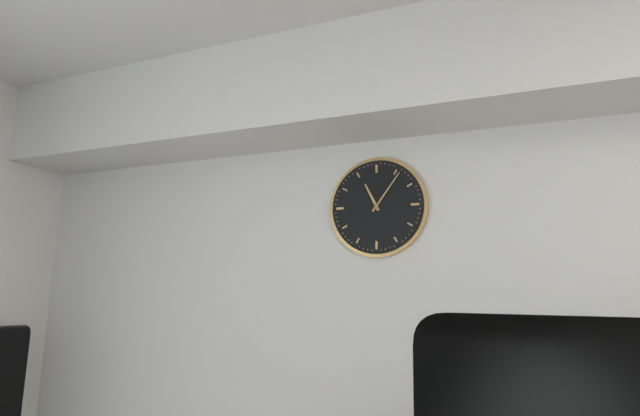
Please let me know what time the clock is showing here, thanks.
11:06
